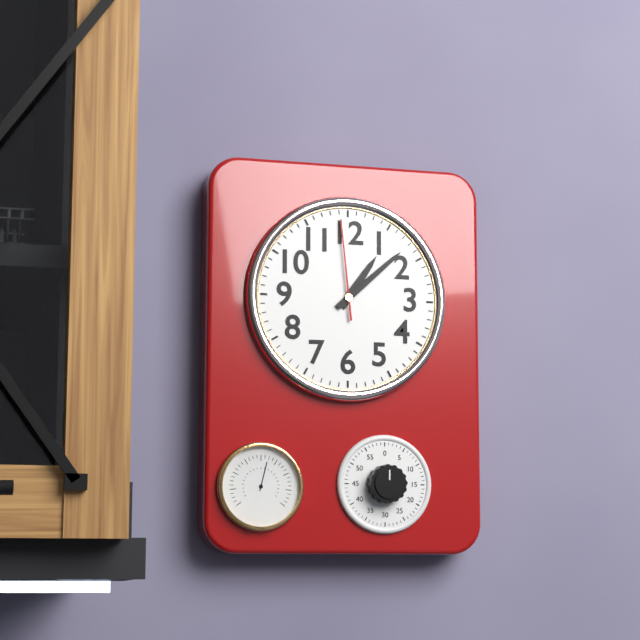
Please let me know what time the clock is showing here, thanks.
1:08:59
